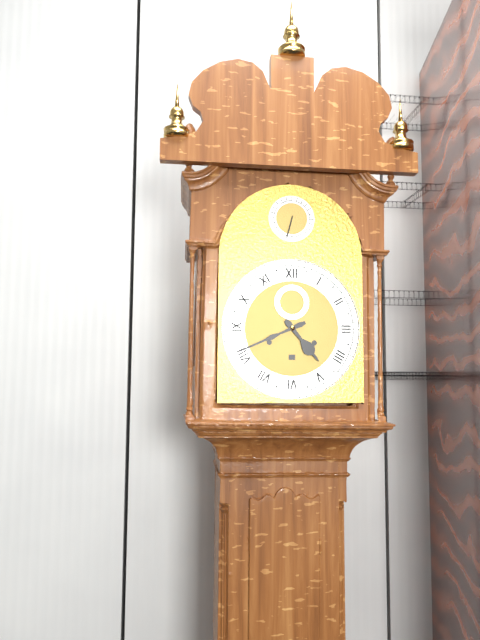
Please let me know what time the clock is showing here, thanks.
4:41
